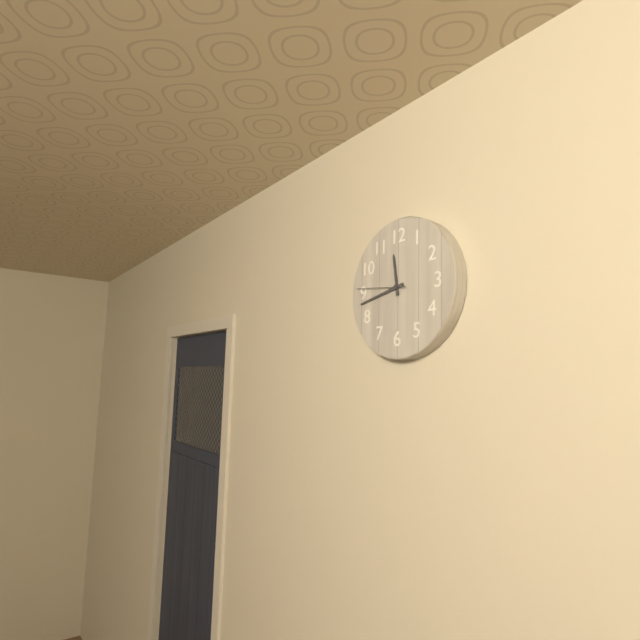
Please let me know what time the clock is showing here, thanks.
11:43
